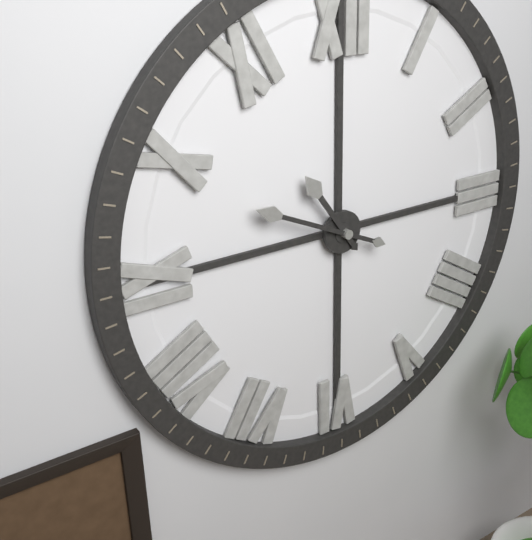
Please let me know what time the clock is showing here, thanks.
10:49
